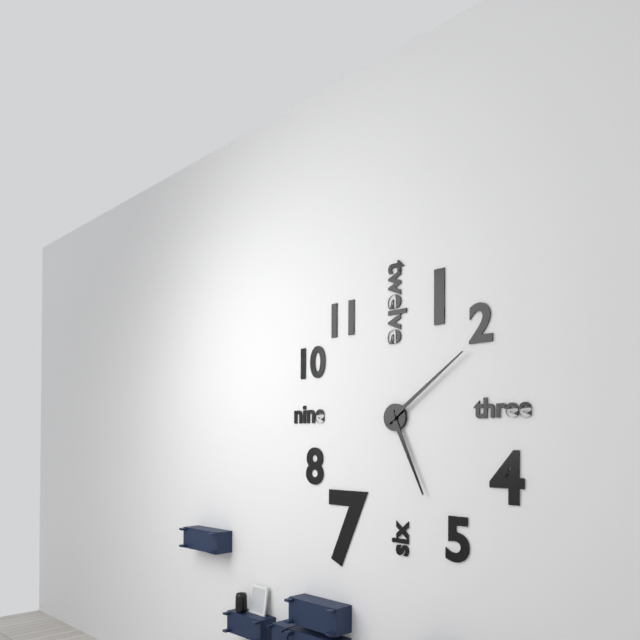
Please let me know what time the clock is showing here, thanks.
5:09
